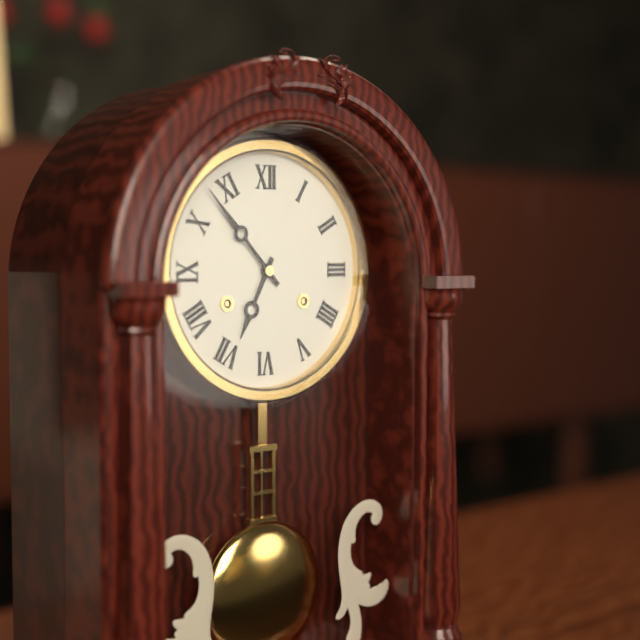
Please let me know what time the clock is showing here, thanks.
6:53
